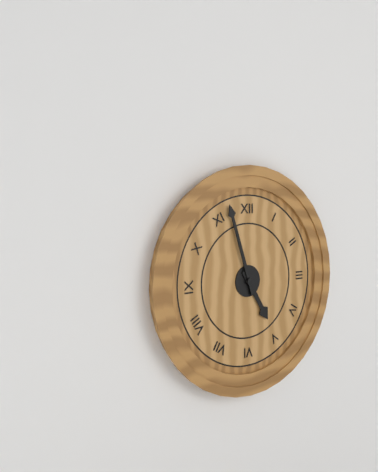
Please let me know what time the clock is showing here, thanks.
4:57
